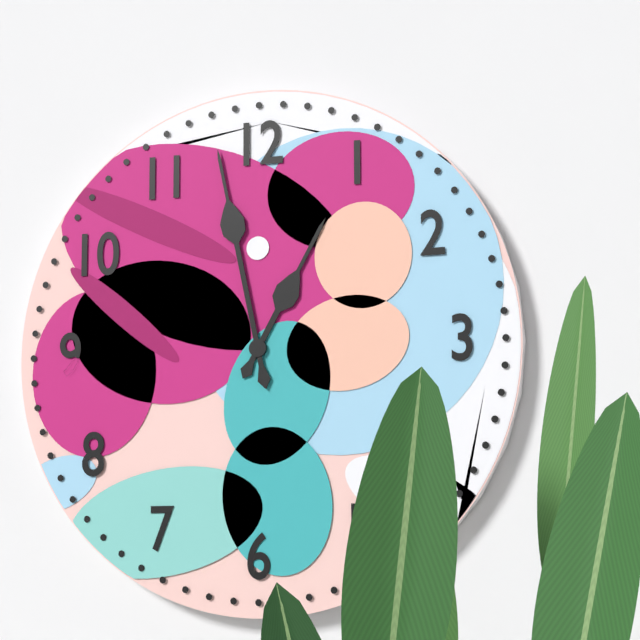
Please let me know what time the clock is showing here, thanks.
12:58
